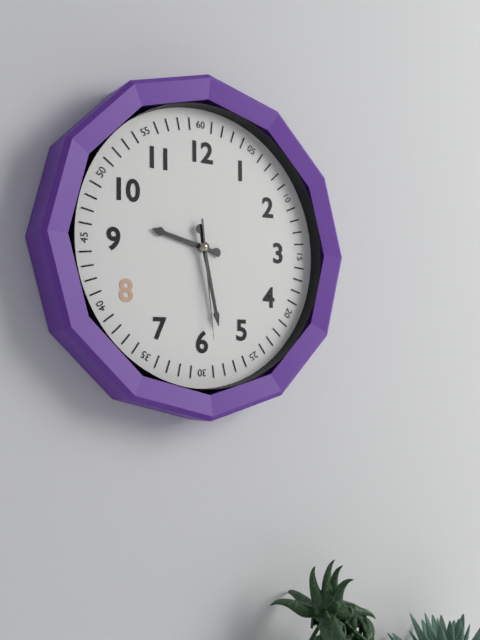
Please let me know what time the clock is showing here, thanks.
9:28:29
